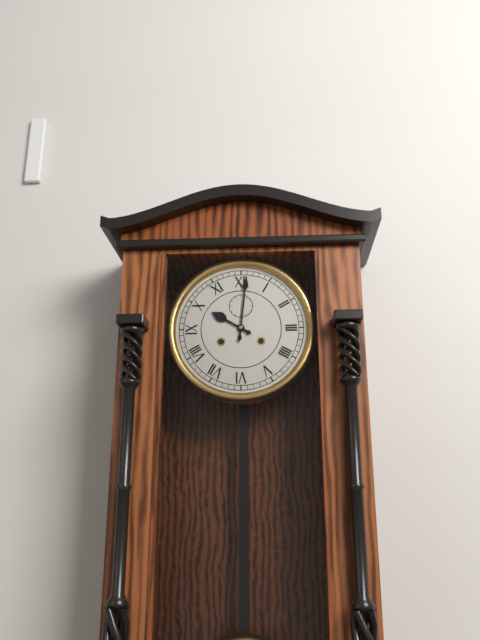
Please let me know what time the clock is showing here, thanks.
10:01
